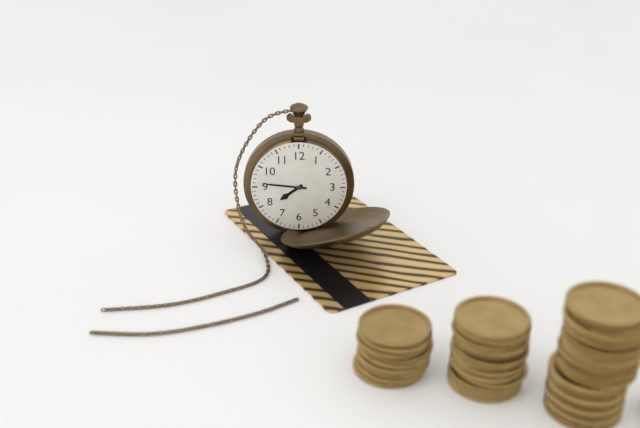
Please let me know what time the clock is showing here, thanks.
7:46
